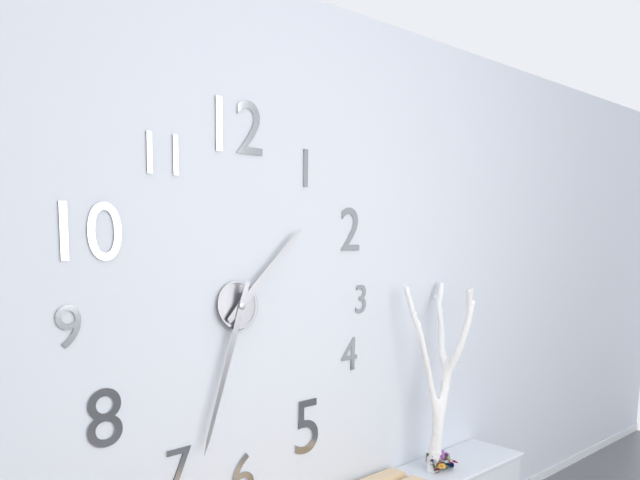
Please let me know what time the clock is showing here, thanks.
1:33
